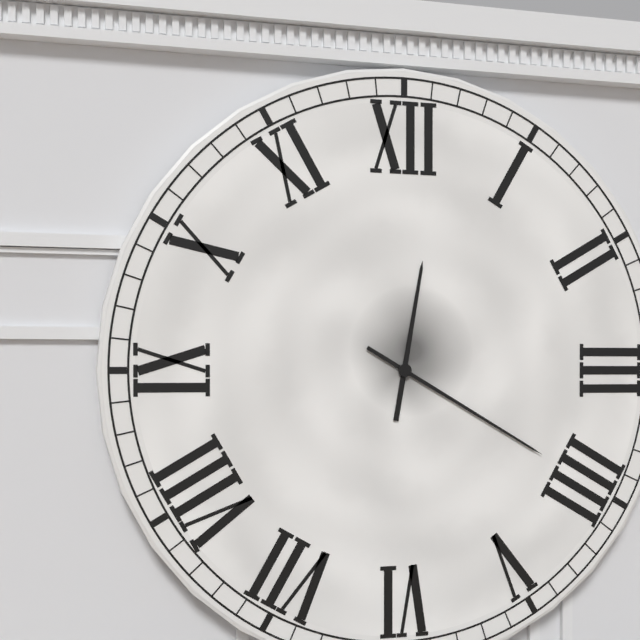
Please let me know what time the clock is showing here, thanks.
12:20
